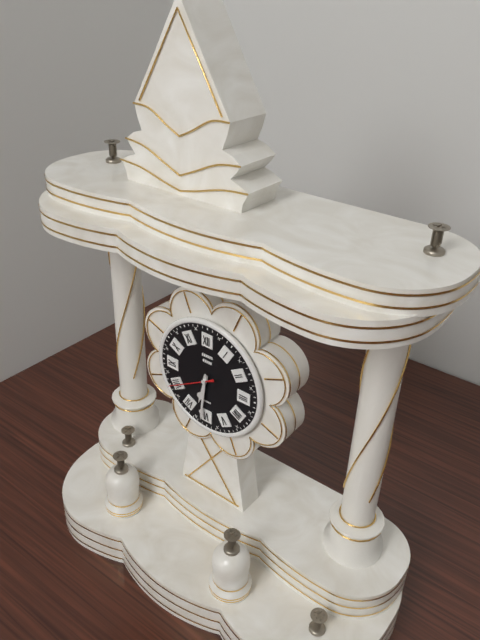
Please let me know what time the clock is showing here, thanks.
6:31
